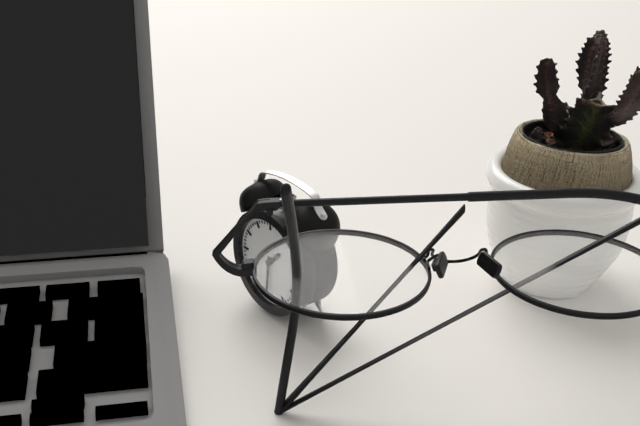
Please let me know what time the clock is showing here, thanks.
1:31
